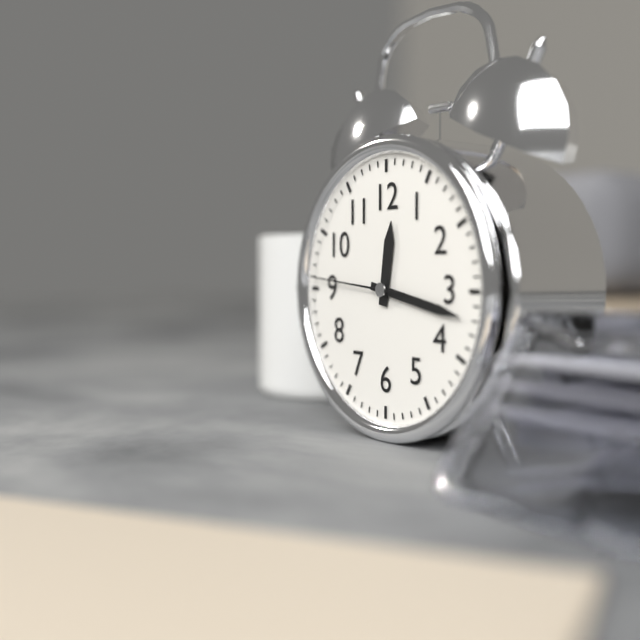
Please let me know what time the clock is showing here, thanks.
12:17:46
